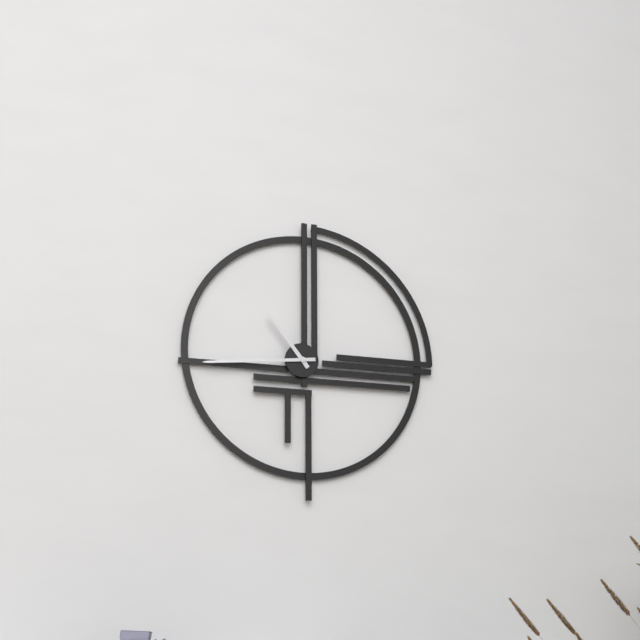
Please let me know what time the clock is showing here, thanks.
10:44
